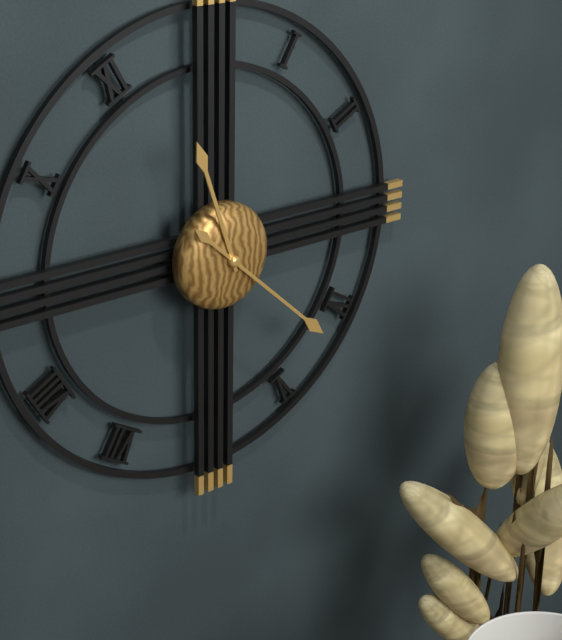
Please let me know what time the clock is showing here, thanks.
11:22
